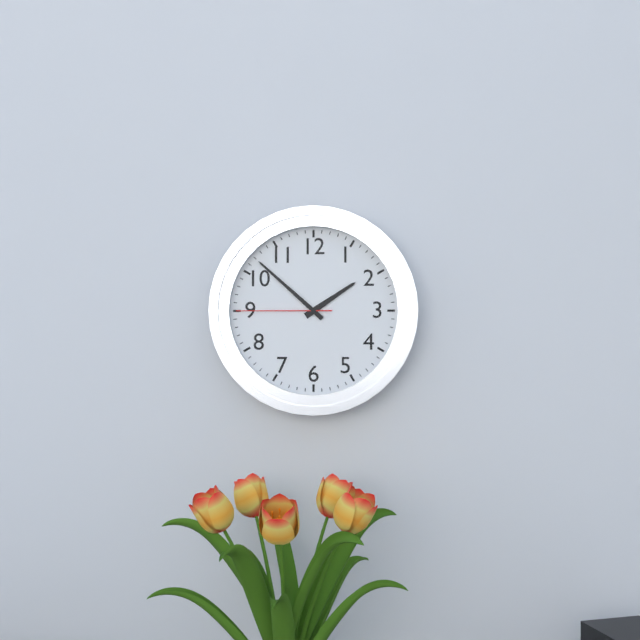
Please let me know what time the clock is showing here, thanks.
1:52:45
